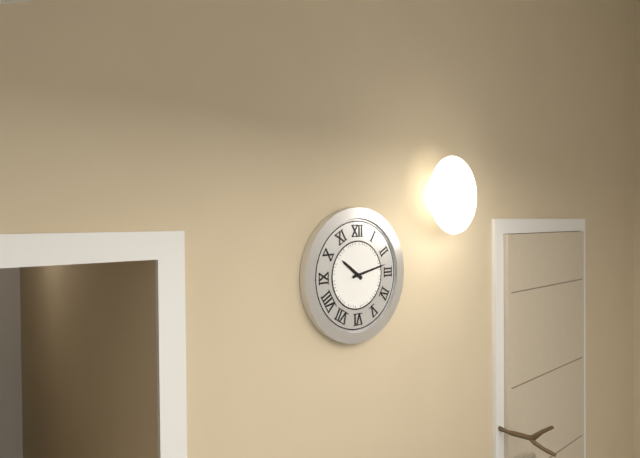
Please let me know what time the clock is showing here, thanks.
10:13
